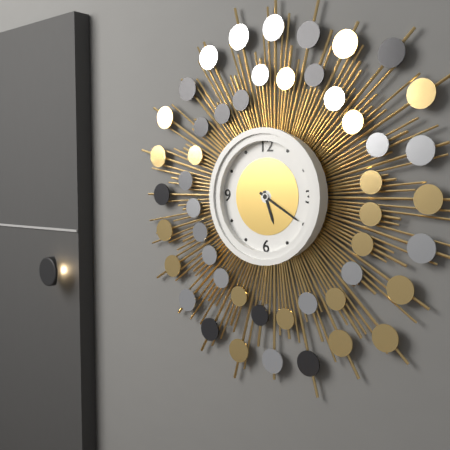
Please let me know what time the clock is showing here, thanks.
5:20
